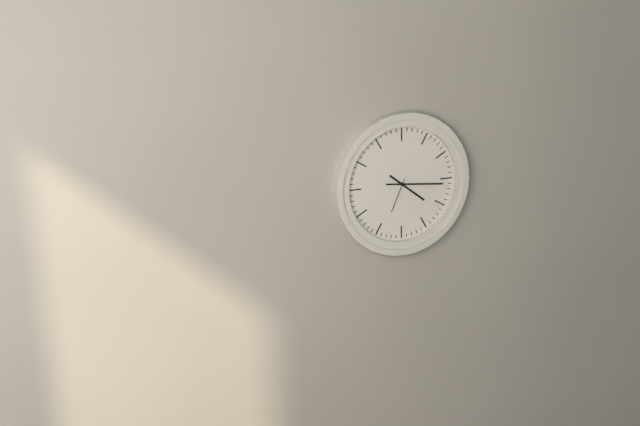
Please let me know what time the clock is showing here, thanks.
4:16
